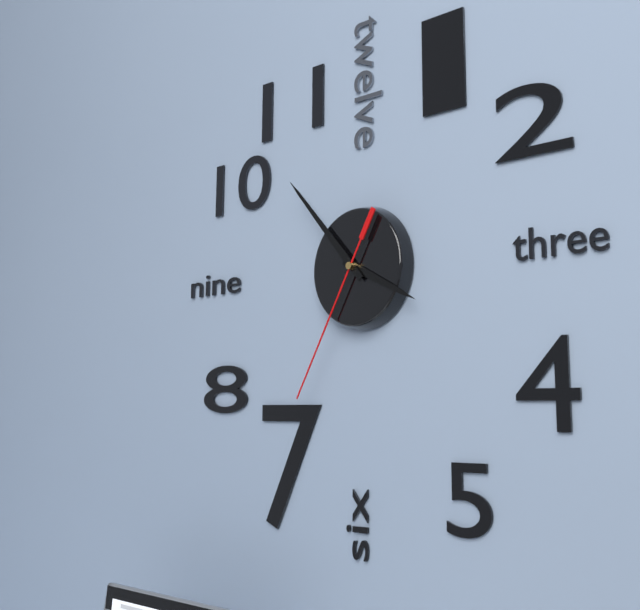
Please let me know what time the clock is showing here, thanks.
3:53:35
